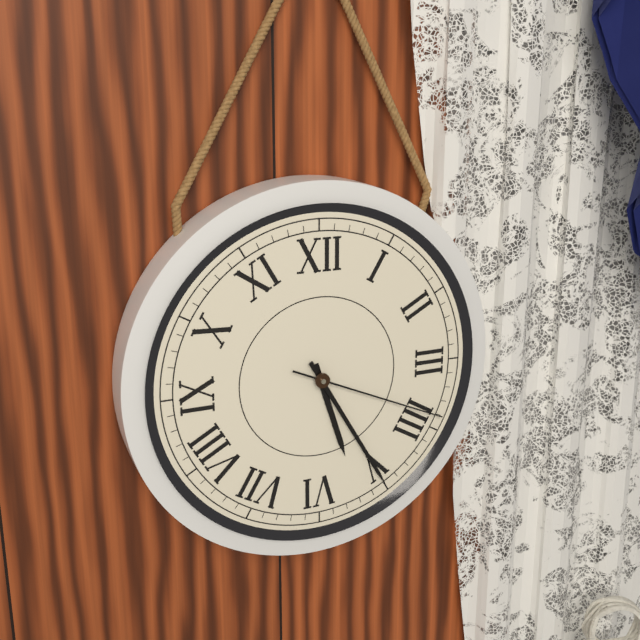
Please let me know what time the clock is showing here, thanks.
5:25:19
